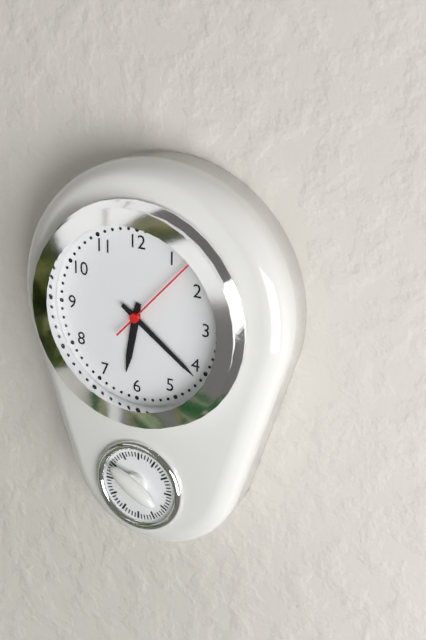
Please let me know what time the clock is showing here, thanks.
6:21:07
